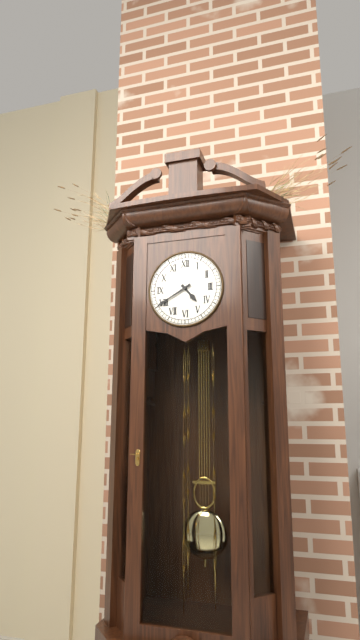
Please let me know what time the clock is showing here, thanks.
4:40
